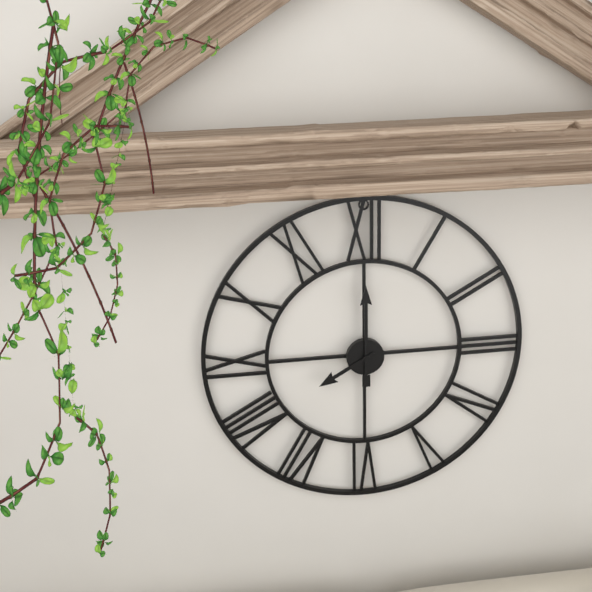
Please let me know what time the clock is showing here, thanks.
8:00
